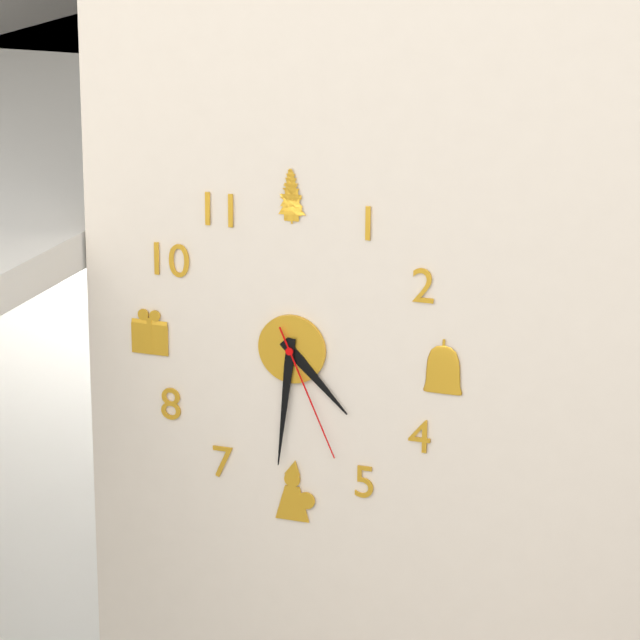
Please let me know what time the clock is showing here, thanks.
4:31:26
